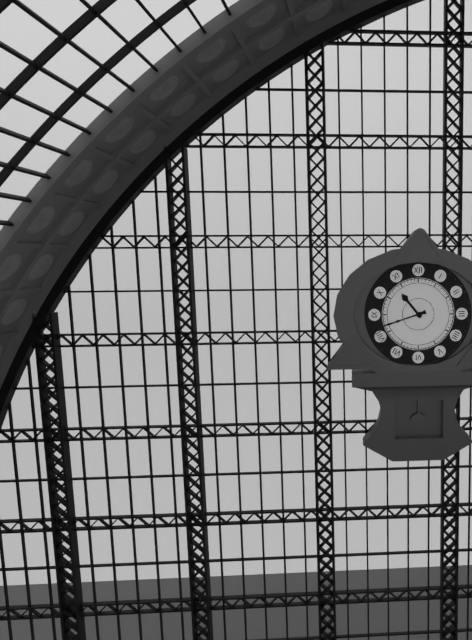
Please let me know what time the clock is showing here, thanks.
10:42
